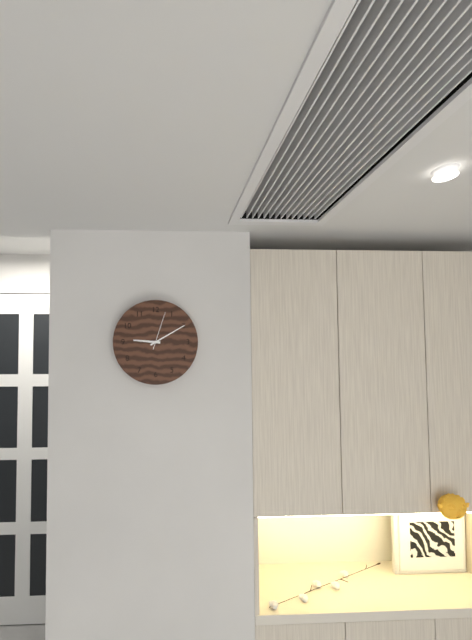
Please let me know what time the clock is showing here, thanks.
9:10
